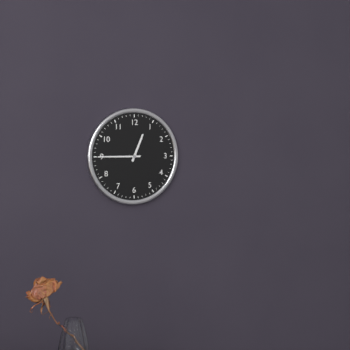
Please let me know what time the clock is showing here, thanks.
12:45
